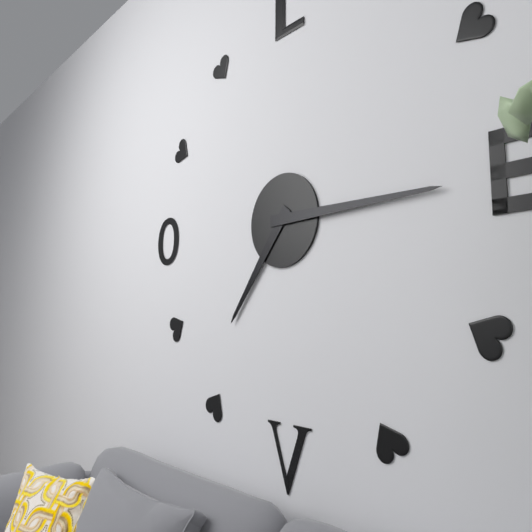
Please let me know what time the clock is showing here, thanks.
7:15
